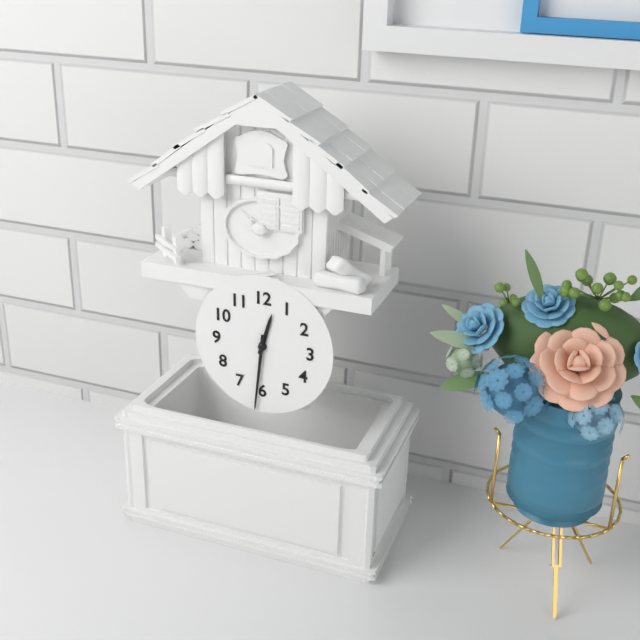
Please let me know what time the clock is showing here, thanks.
12:31
